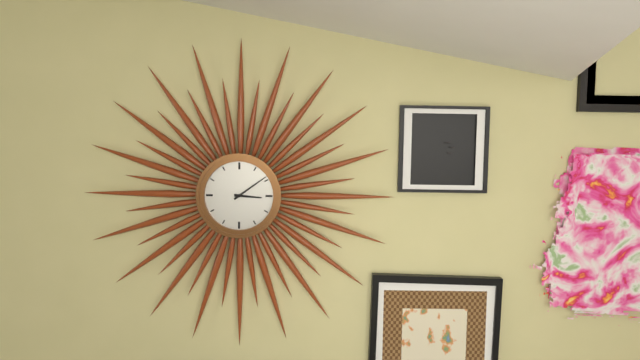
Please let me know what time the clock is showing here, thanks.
3:09
